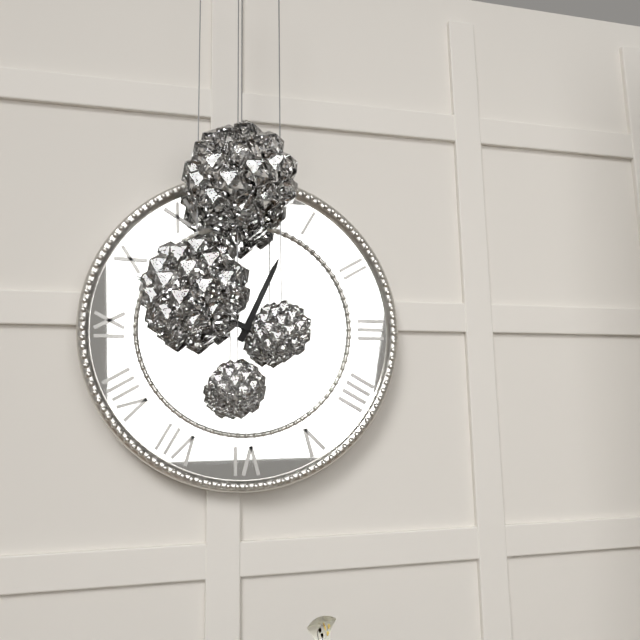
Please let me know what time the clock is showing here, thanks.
12:49
